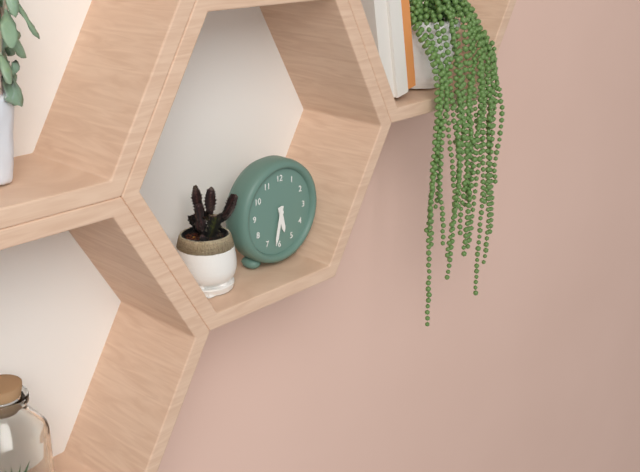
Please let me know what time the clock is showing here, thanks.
5:32
